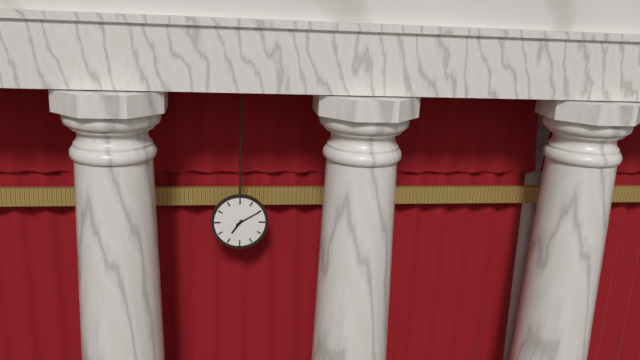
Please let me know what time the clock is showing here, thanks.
7:10
